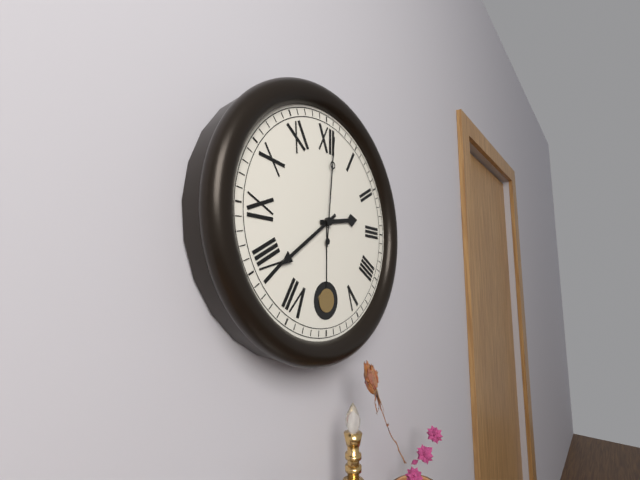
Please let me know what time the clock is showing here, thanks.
2:39:01
